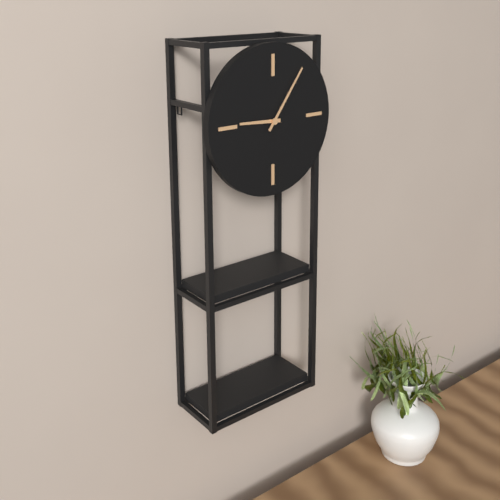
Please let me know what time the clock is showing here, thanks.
9:06
